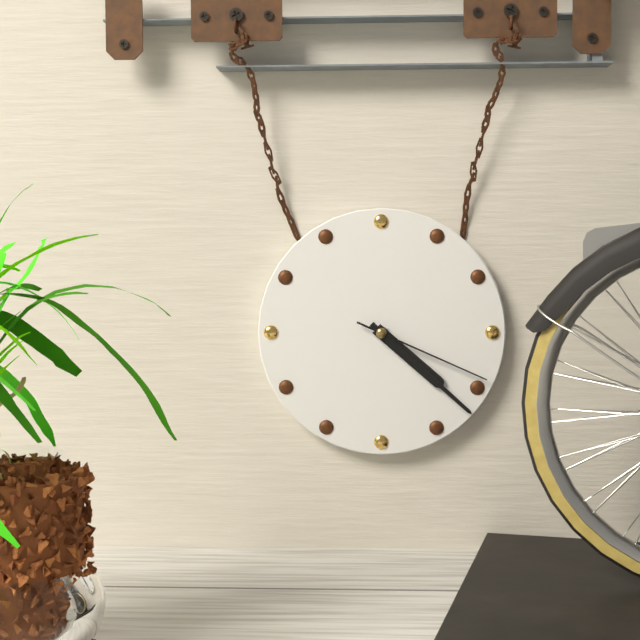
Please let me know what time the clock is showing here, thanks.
4:22:19
